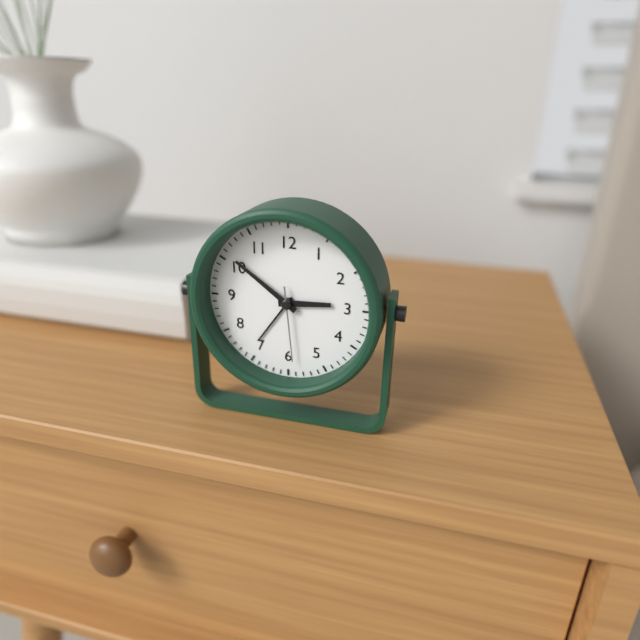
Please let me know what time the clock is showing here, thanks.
2:51:29
